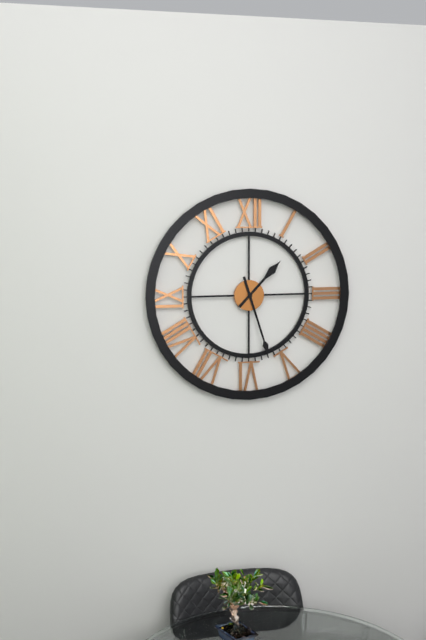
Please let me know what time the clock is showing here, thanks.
1:27
